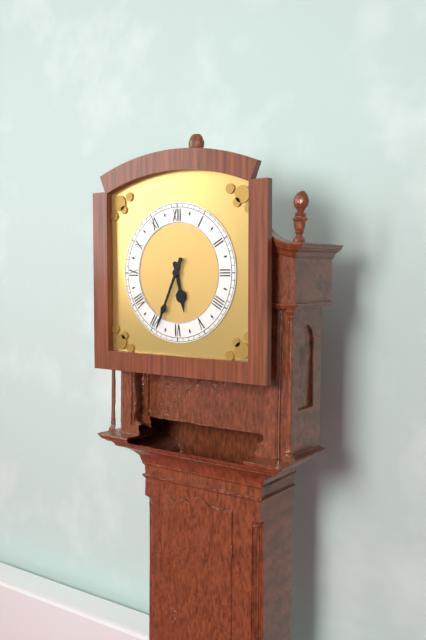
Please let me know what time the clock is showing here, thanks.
5:34
